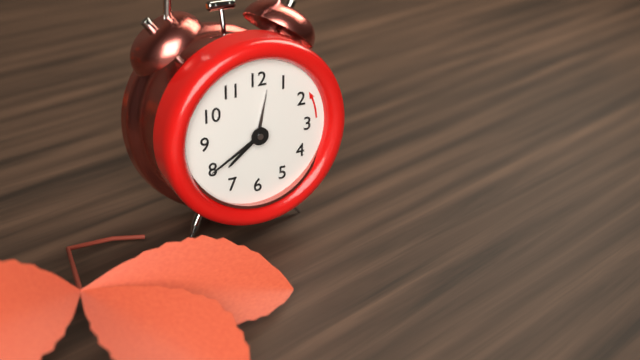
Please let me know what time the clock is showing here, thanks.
7:40:02
